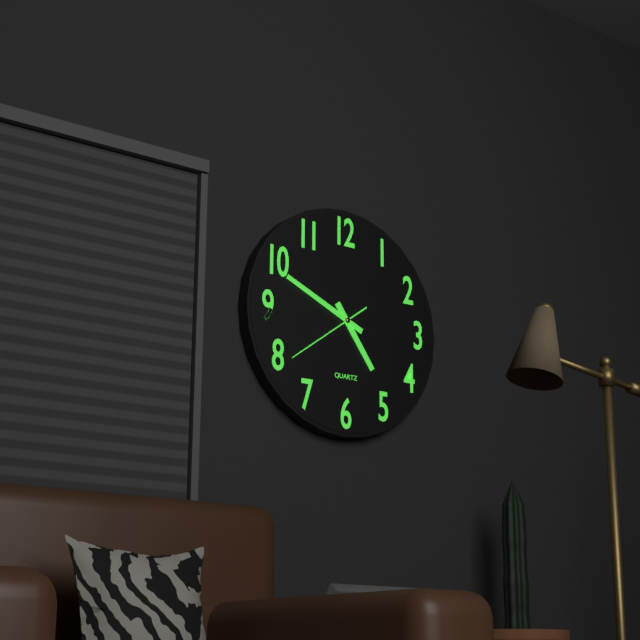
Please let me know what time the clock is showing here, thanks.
4:49:39
